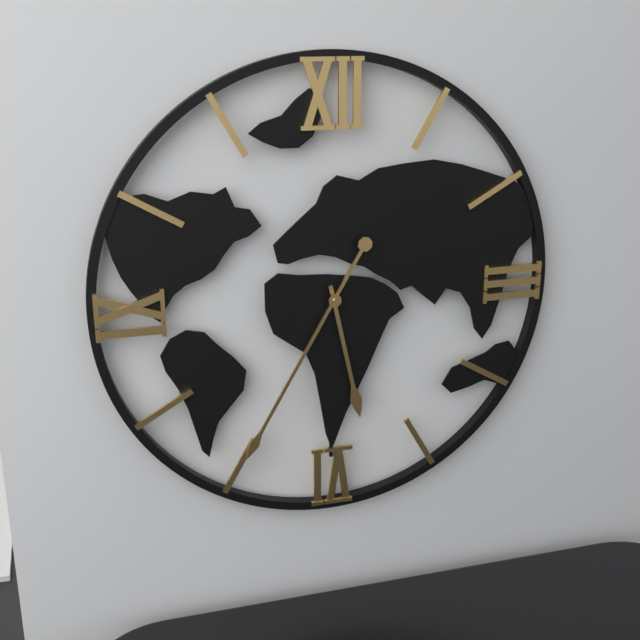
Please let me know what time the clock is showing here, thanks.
5:35
